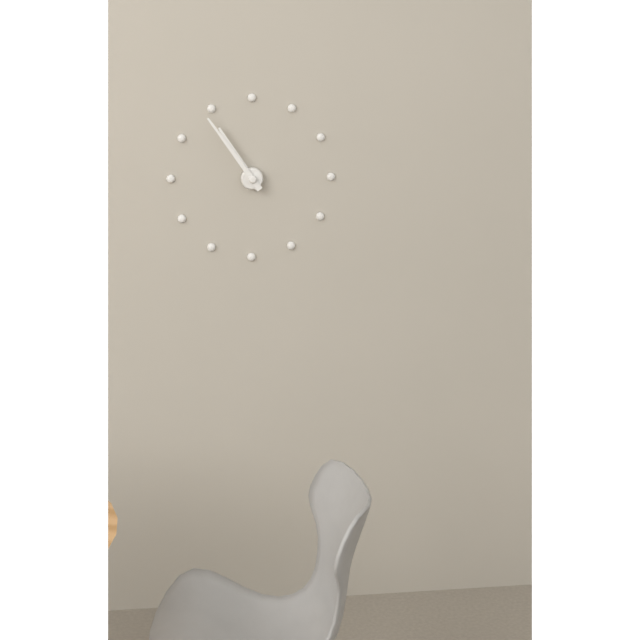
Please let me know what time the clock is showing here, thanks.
10:54
